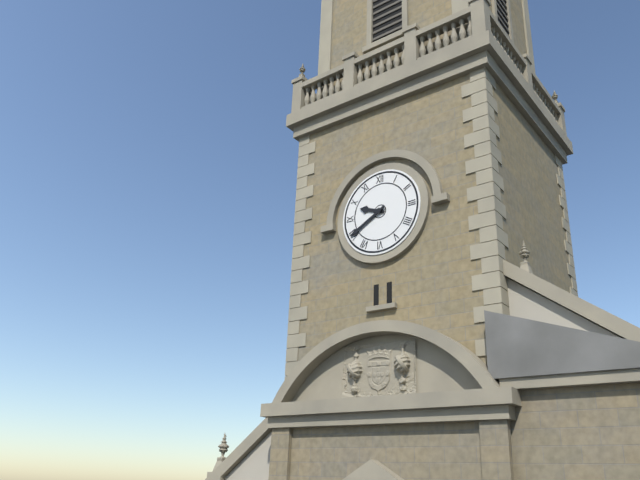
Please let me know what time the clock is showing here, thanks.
9:40
